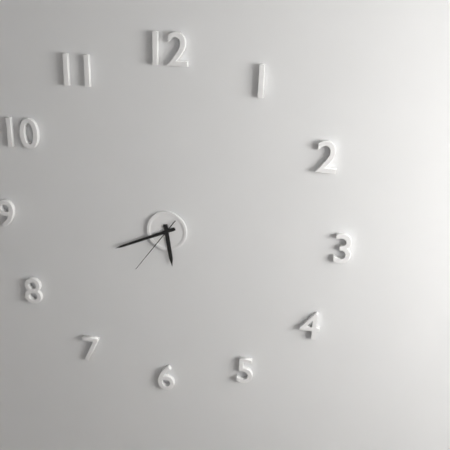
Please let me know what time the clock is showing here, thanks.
5:41:36
